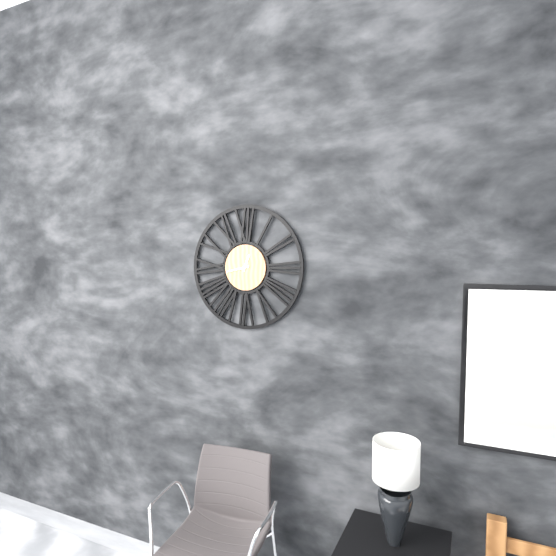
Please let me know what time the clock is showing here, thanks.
12:43
